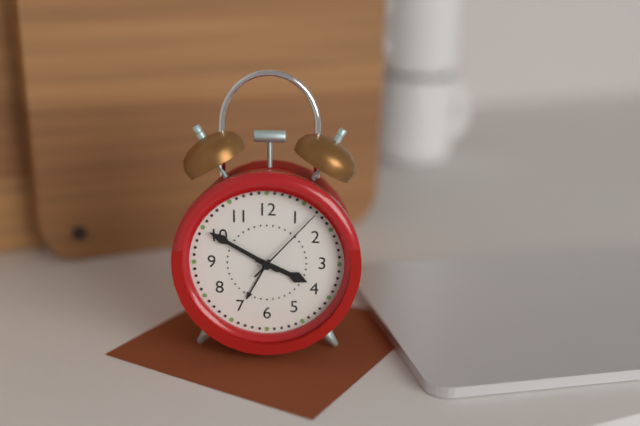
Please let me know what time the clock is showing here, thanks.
3:50:07
